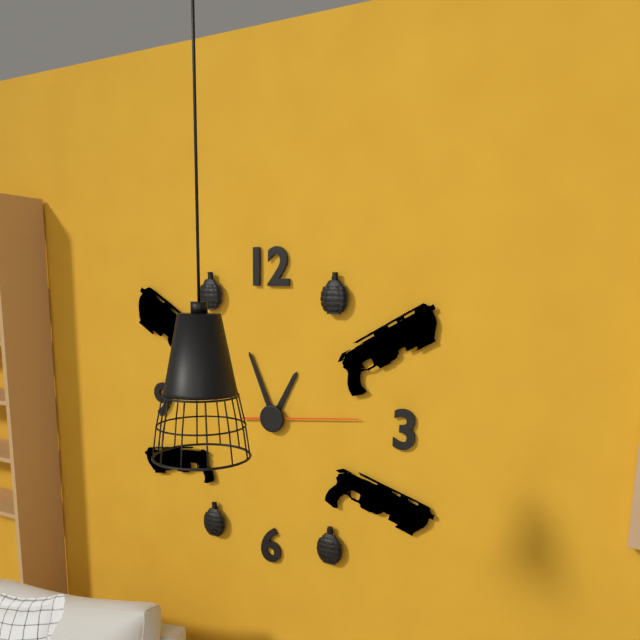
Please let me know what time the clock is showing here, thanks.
12:56:14
